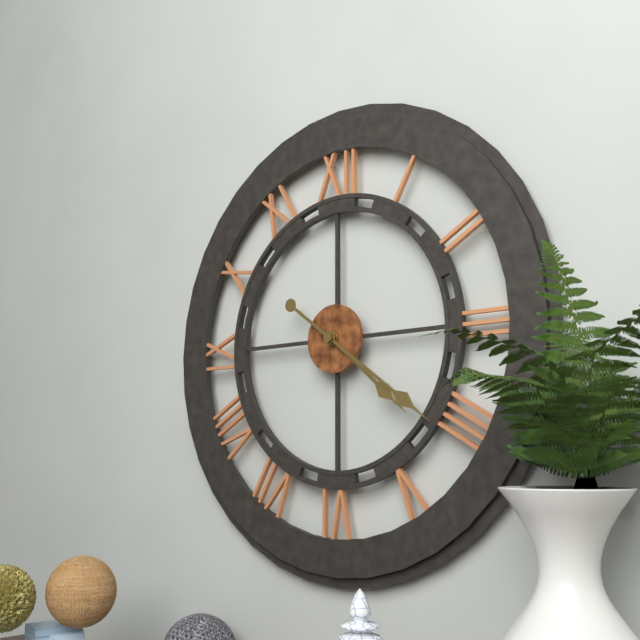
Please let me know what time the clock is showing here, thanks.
4:21
